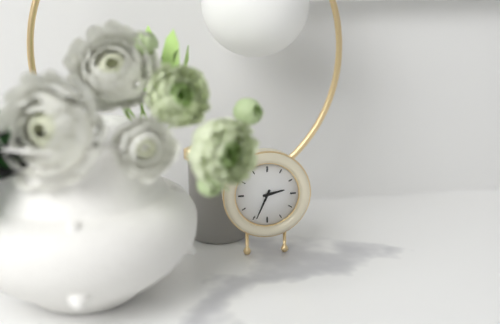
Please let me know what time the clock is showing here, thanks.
2:34
